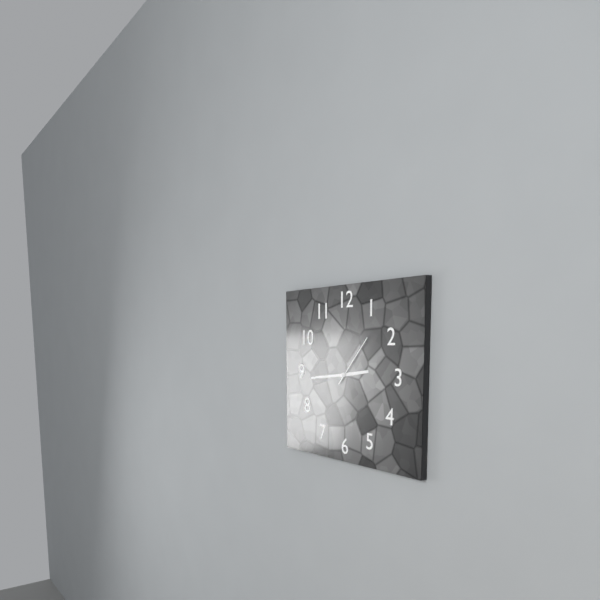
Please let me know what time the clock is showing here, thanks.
2:44:07
